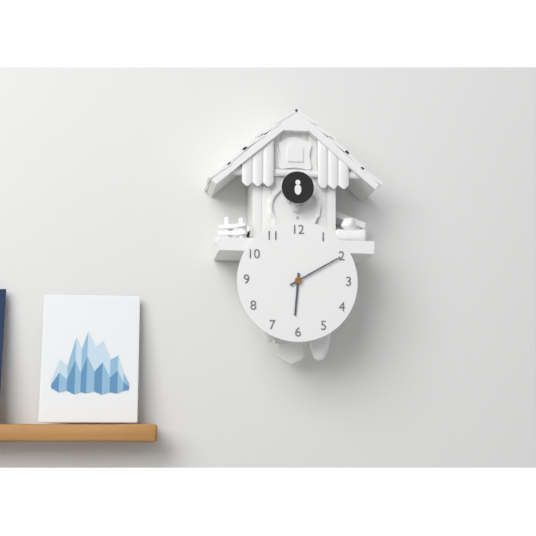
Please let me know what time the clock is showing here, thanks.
6:10
